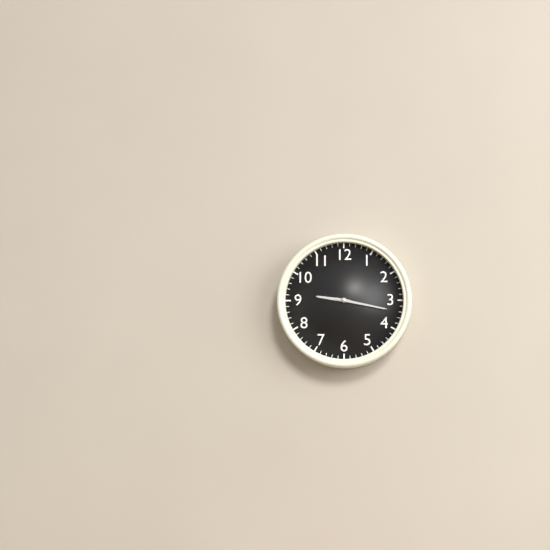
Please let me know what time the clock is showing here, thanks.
9:17
